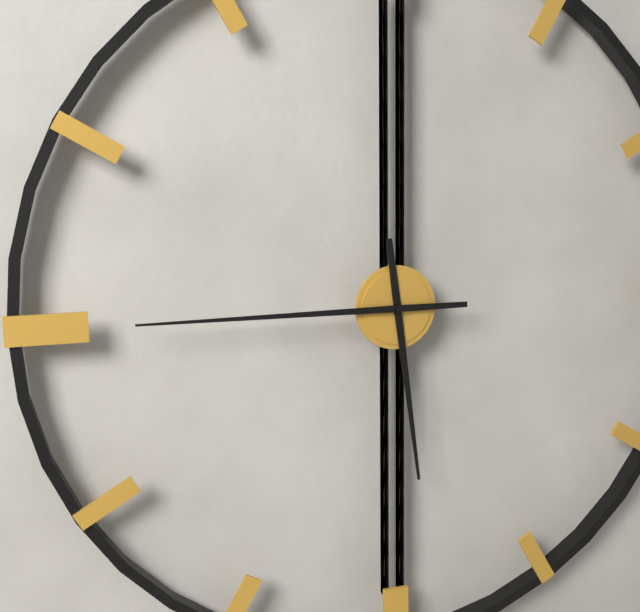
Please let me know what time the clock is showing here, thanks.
5:45
